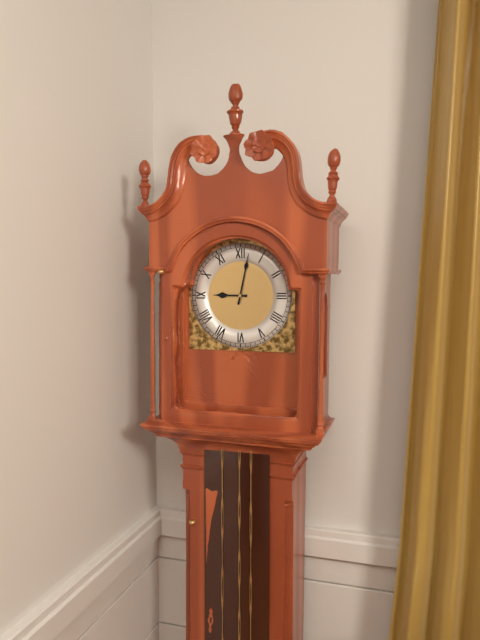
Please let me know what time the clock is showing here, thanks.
9:02
